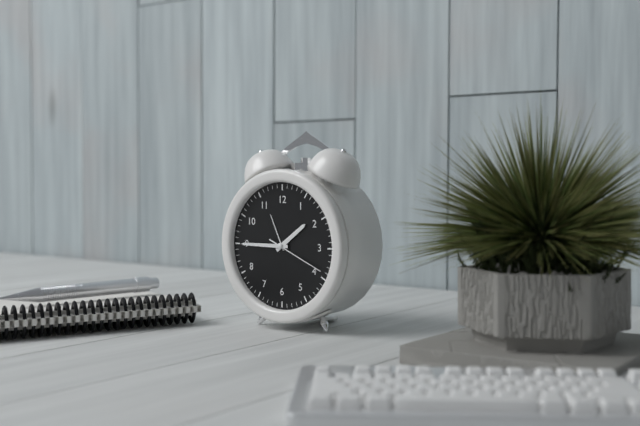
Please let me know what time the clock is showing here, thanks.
1:45:19
